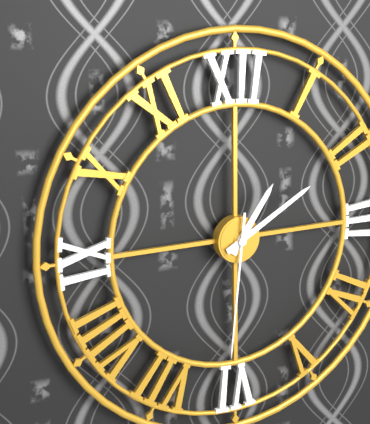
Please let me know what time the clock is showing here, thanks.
1:10:31
